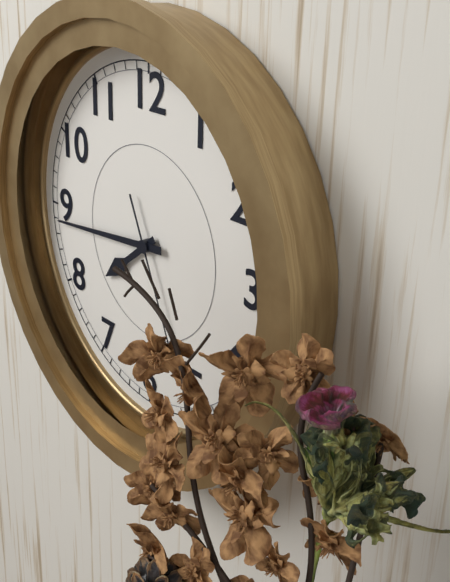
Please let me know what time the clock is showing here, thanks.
7:44
